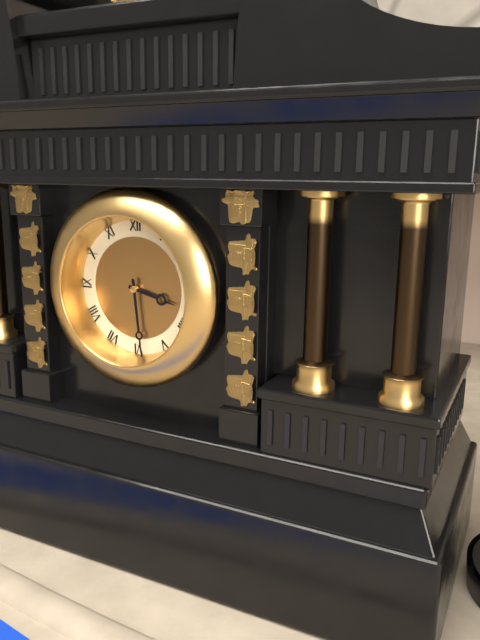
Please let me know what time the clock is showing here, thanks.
3:29
